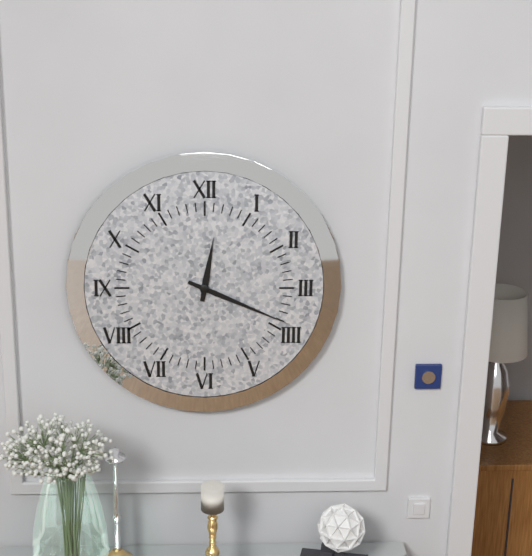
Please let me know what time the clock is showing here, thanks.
12:19
